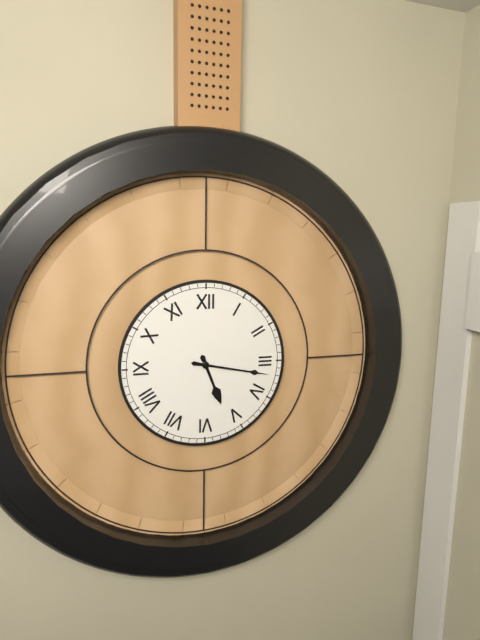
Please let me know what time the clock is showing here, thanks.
5:17
